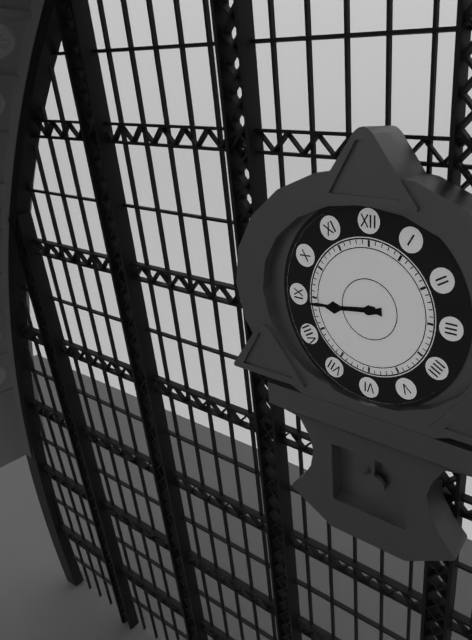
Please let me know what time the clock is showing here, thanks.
8:44
